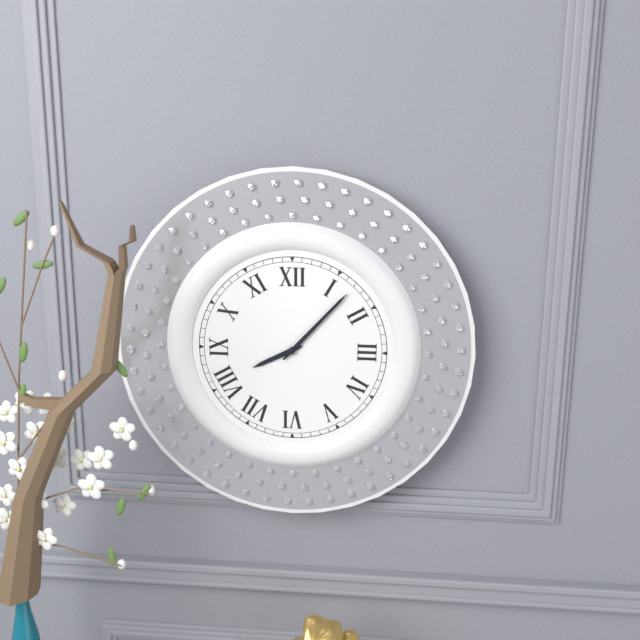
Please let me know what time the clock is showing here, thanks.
8:07
